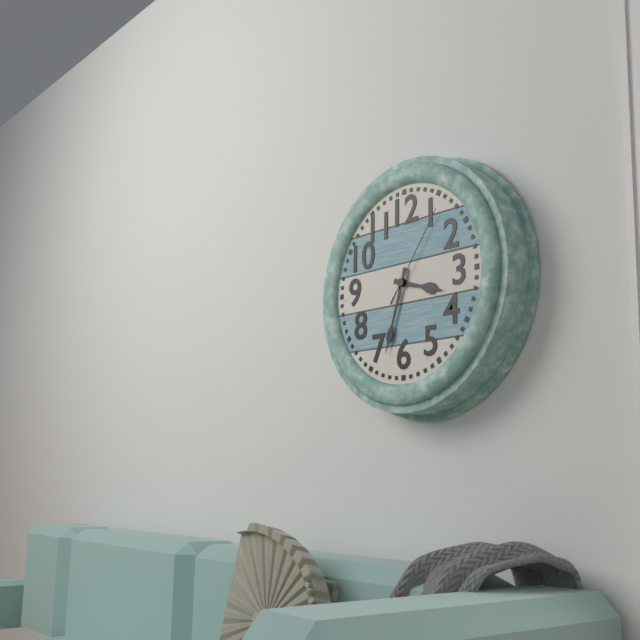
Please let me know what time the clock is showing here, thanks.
3:33:06
